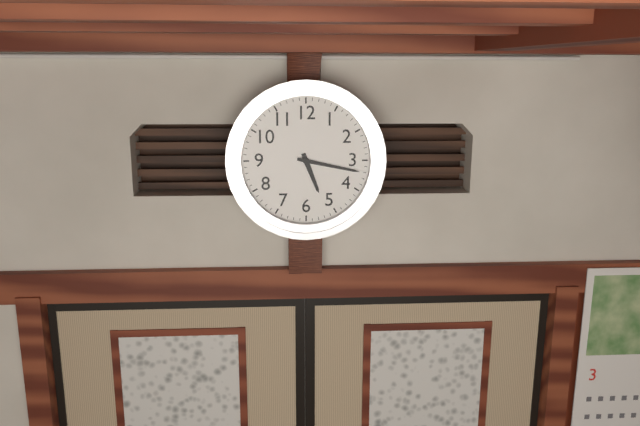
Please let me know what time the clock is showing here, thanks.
5:17
